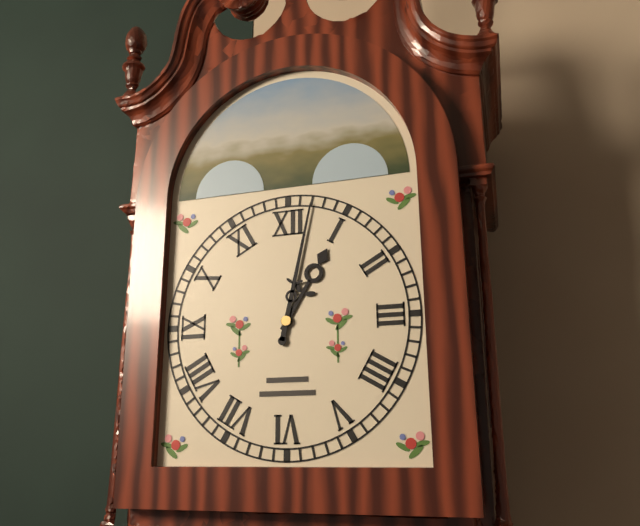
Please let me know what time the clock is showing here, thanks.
1:02
